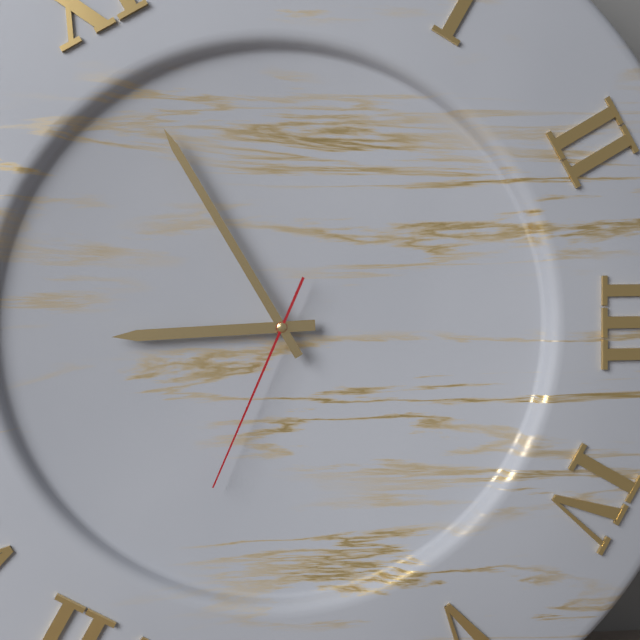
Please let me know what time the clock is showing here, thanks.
8:55:34
